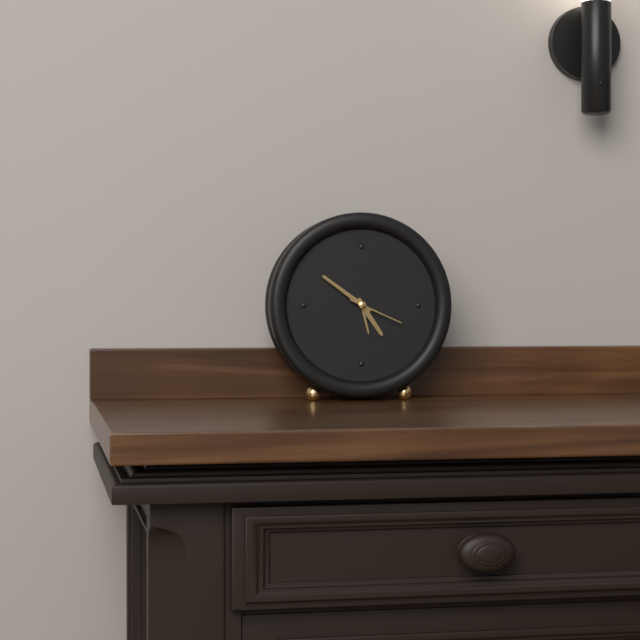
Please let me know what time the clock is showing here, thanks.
4:51:19
